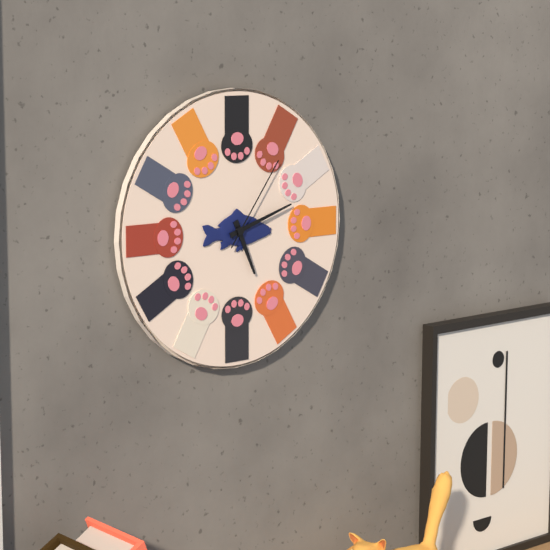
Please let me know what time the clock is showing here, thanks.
5:12:06
